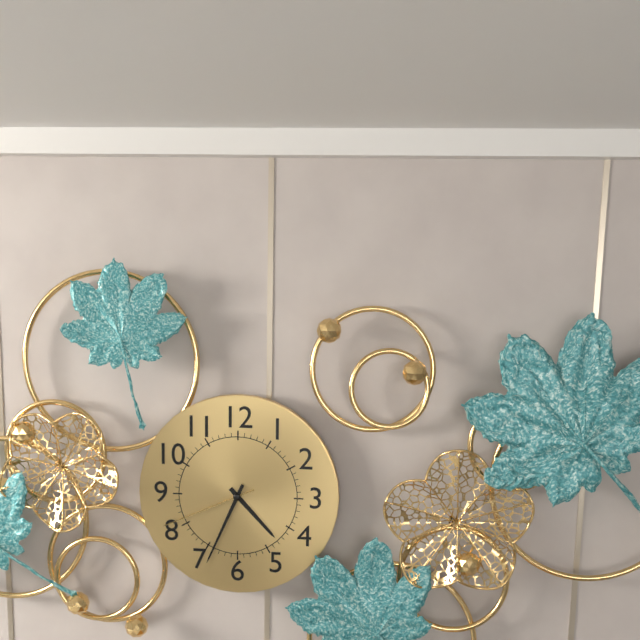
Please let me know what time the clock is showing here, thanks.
4:34:41
